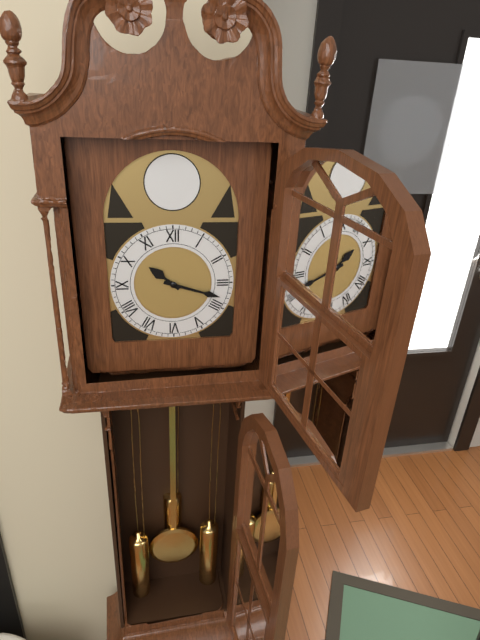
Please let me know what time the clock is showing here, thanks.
10:18
